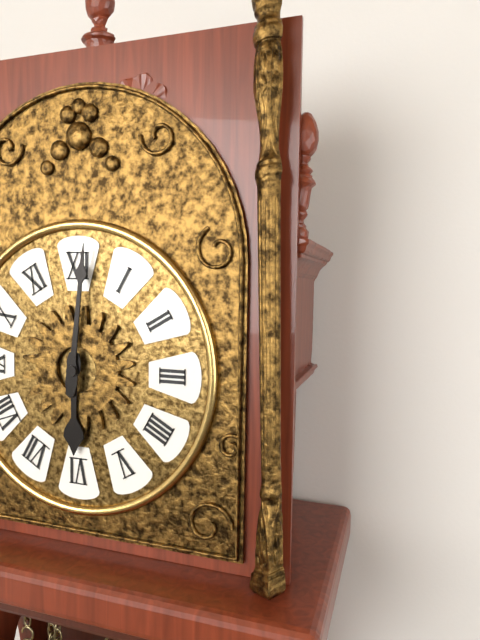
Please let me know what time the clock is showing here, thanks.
6:01
